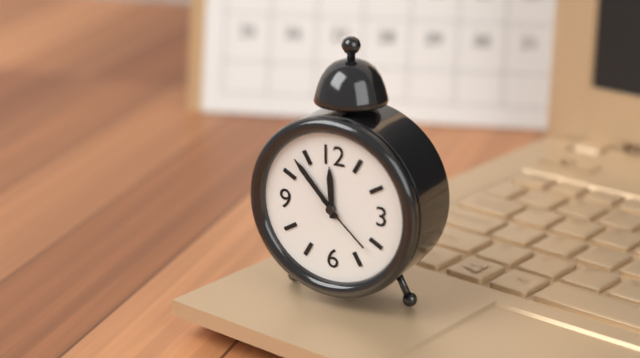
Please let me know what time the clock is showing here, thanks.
11:53:22
